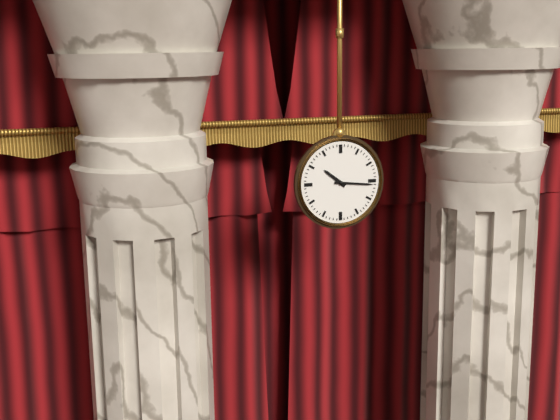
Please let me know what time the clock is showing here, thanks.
10:16
